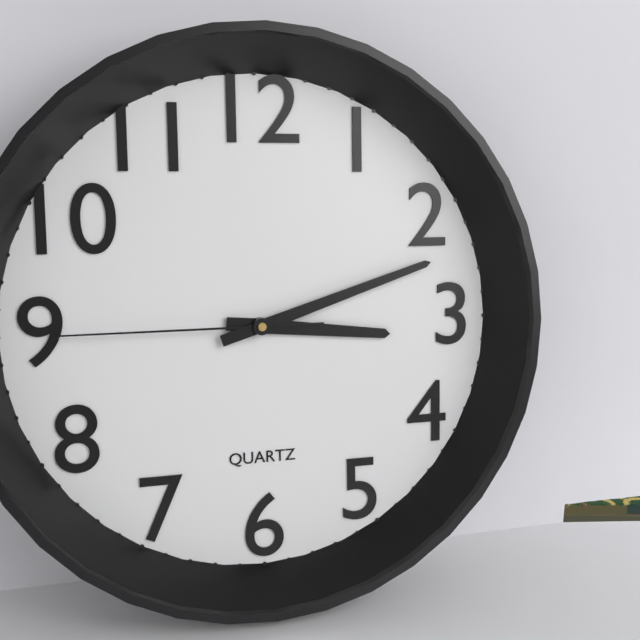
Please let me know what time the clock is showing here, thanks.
3:12:45
